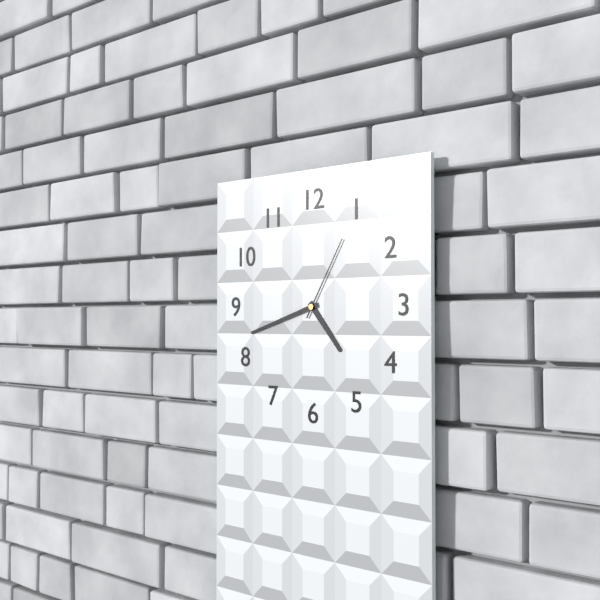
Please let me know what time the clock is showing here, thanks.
4:42:05
